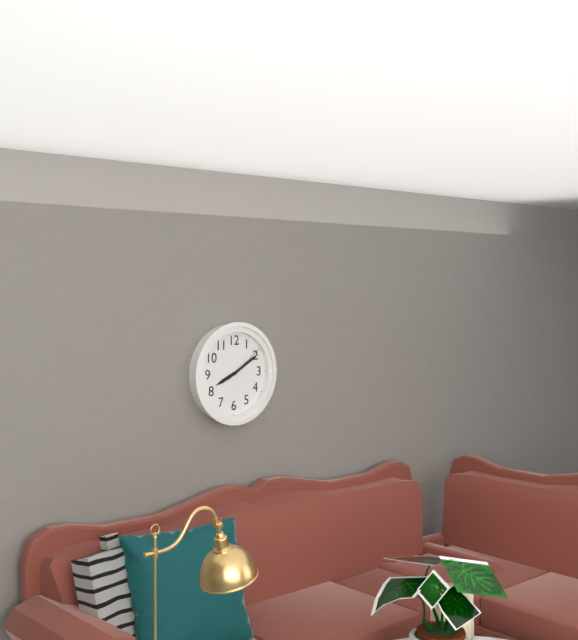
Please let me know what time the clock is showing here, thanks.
8:10
